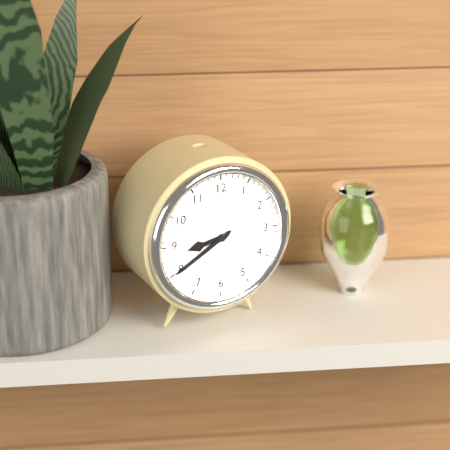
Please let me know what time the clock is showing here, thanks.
8:40
